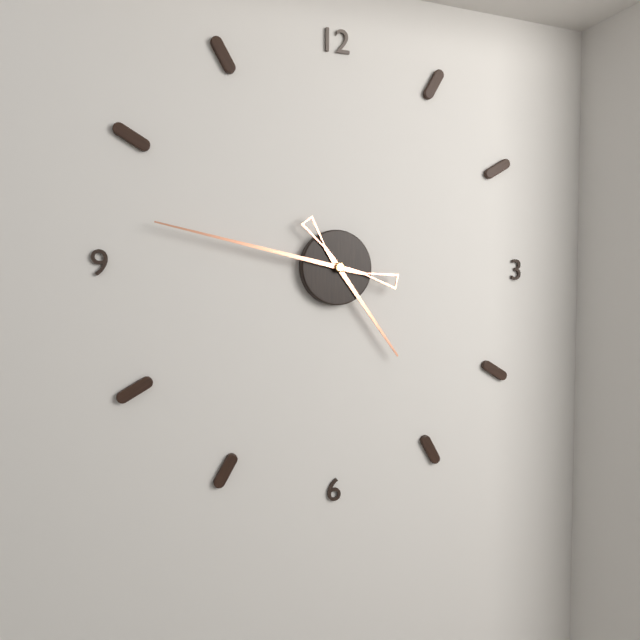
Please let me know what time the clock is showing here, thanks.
4:47
